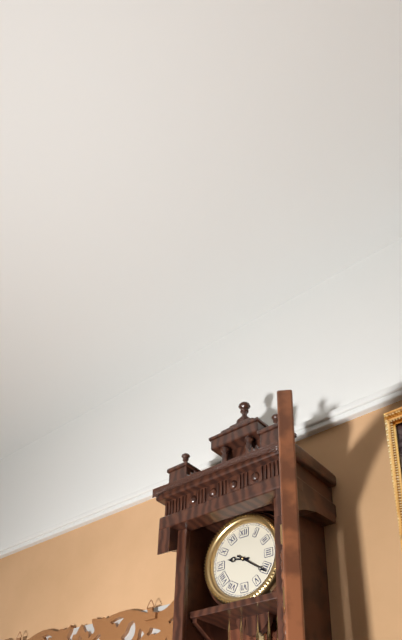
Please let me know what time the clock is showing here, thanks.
9:21
